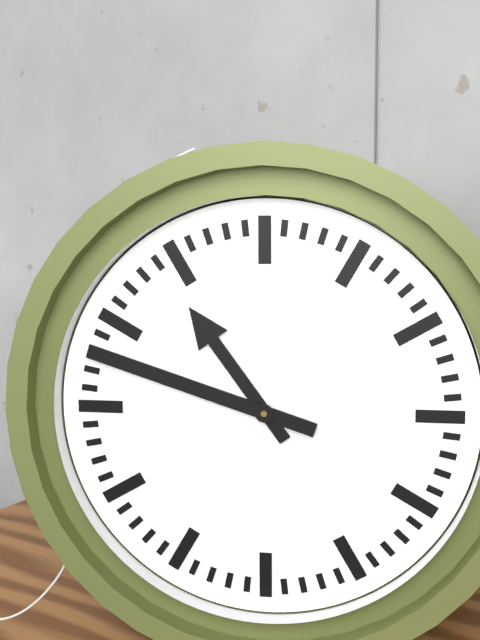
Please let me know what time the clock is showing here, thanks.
10:48
